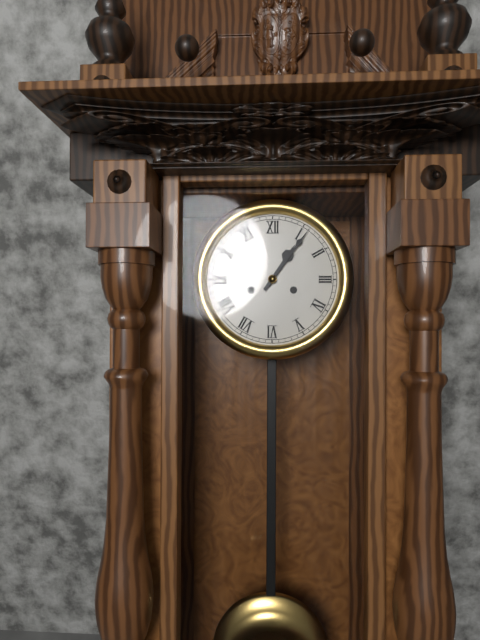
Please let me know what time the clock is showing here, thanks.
1:06
